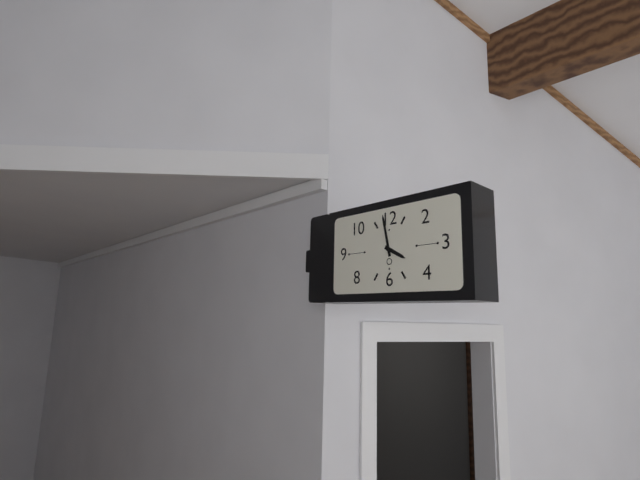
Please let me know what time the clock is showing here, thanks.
3:58
